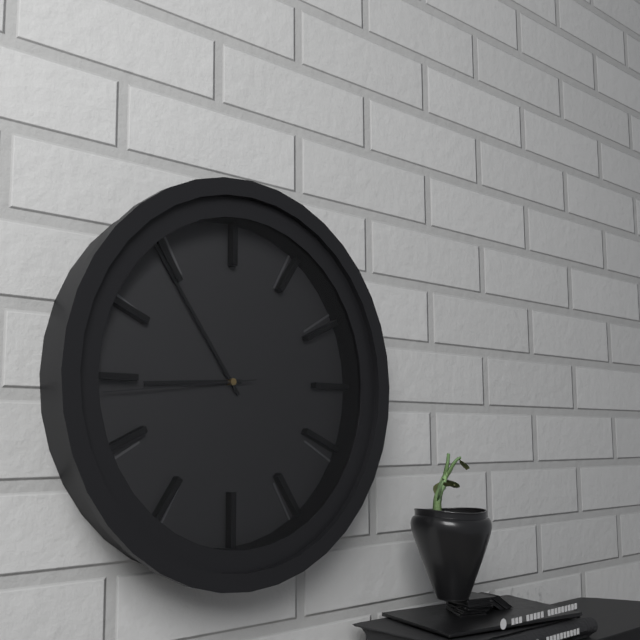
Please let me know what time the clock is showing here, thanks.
8:54:44
